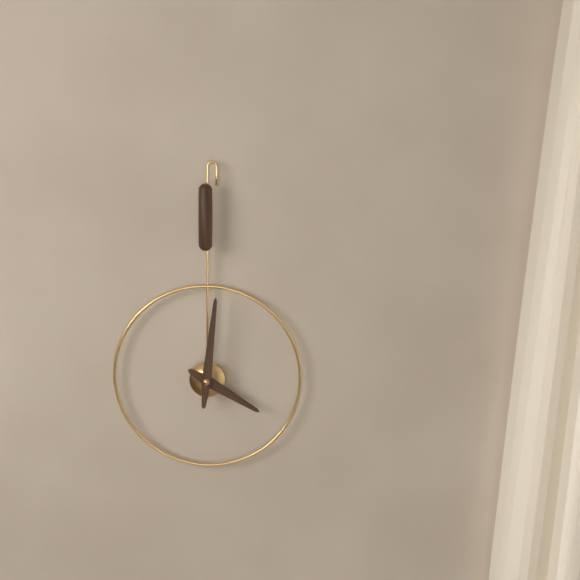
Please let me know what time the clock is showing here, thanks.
4:01
